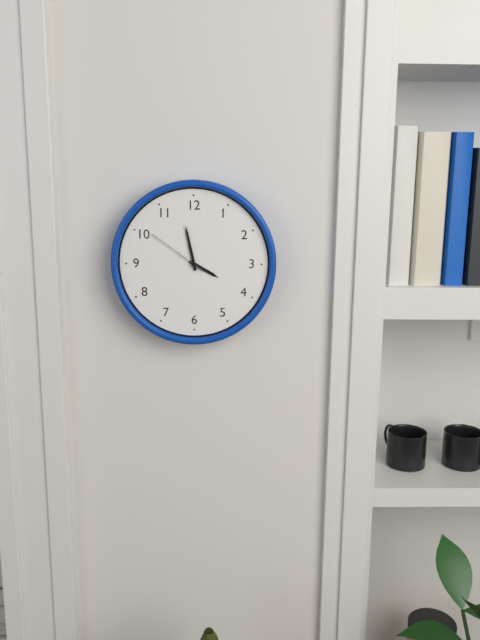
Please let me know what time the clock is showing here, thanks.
3:58:51
